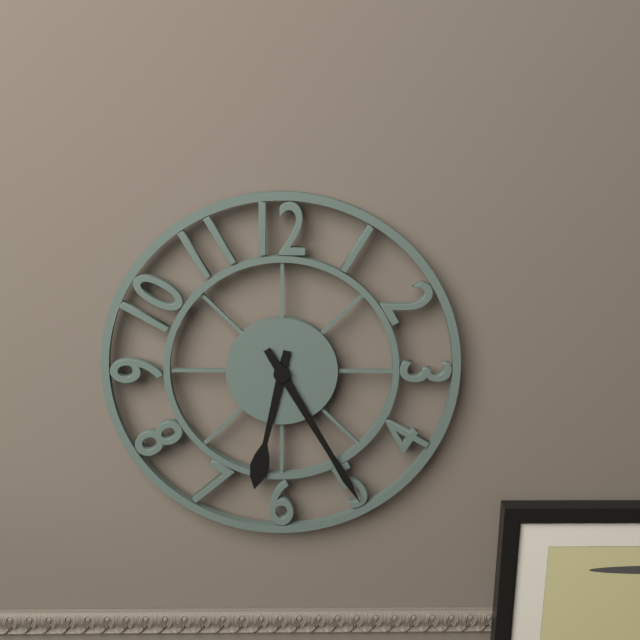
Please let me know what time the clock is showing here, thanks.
6:25
